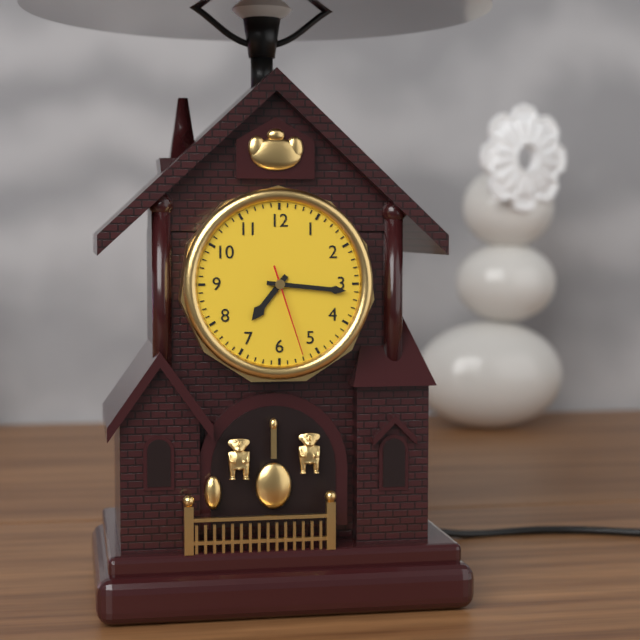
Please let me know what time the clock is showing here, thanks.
7:16:27
